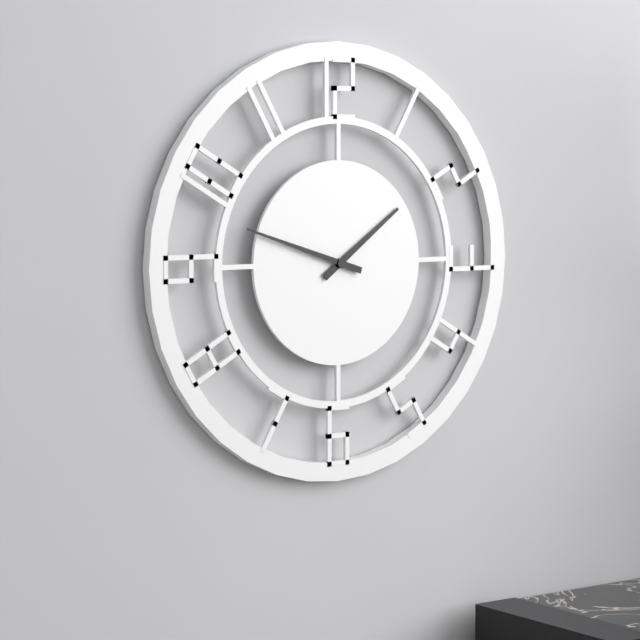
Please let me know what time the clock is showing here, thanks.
1:48
